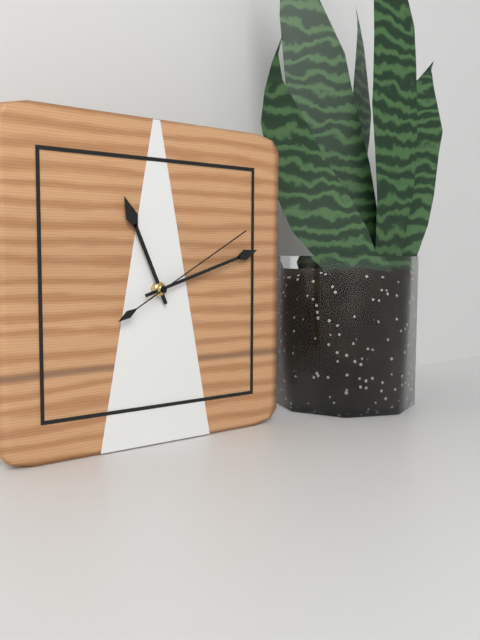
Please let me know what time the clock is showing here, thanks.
11:12:10
